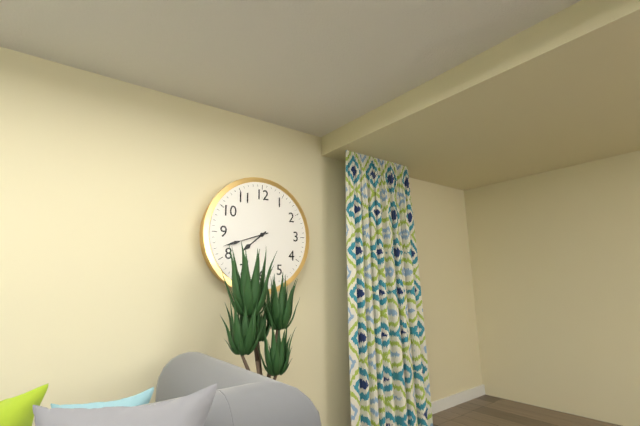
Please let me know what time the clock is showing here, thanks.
7:42
